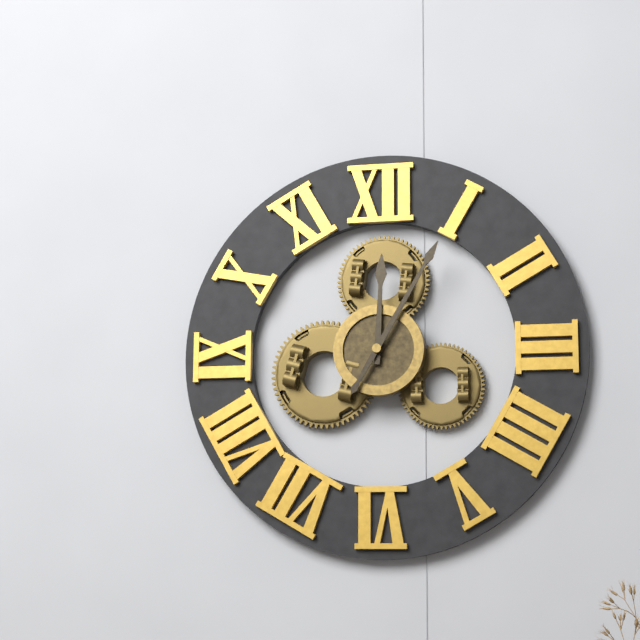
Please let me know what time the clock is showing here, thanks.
12:05
